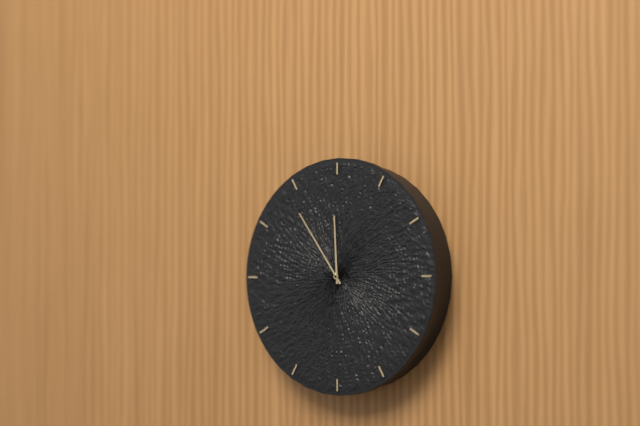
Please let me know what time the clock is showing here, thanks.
11:54
